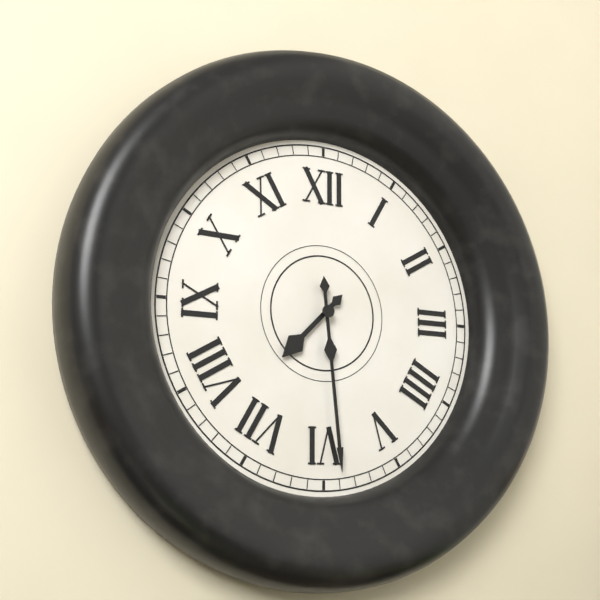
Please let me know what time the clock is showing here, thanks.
7:29
